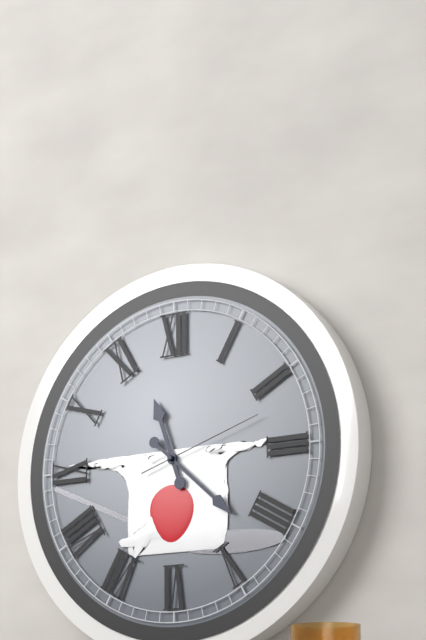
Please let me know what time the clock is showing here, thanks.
11:22:12
